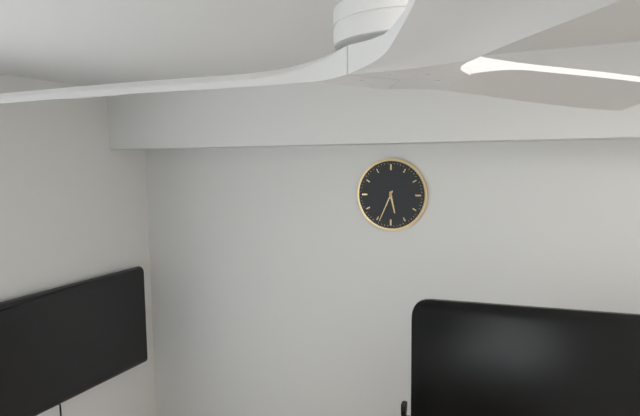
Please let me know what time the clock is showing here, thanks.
5:34
